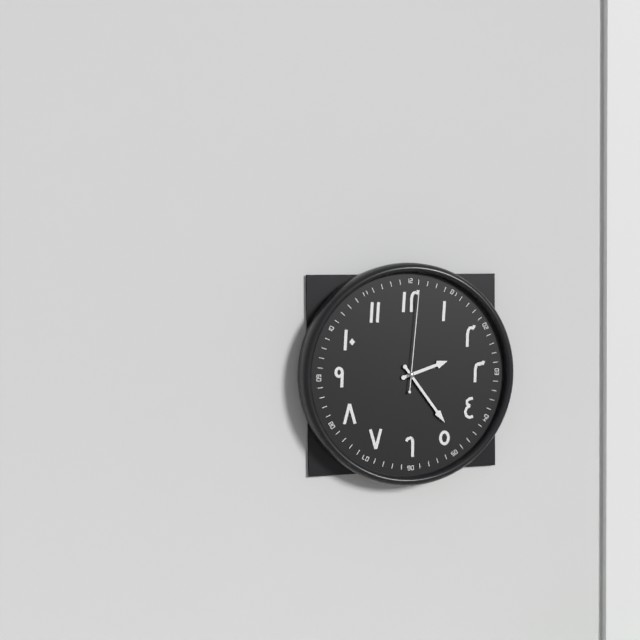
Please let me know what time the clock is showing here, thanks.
2:24:01
